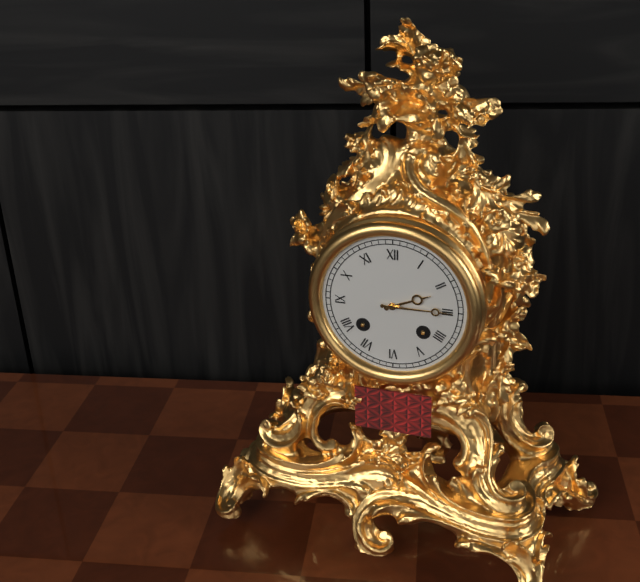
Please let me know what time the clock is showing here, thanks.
2:15
